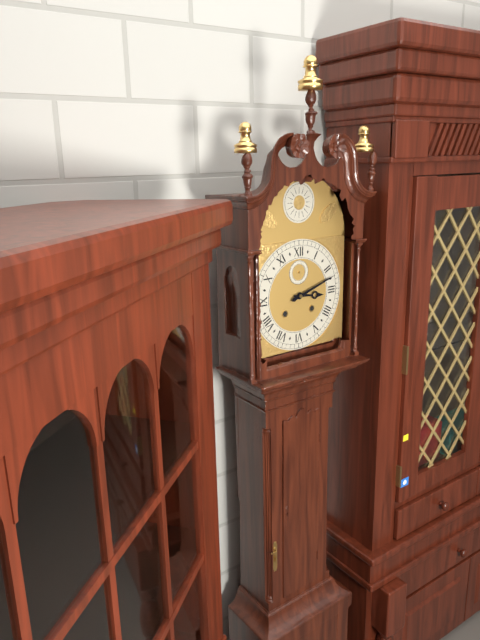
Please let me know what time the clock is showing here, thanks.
3:12
